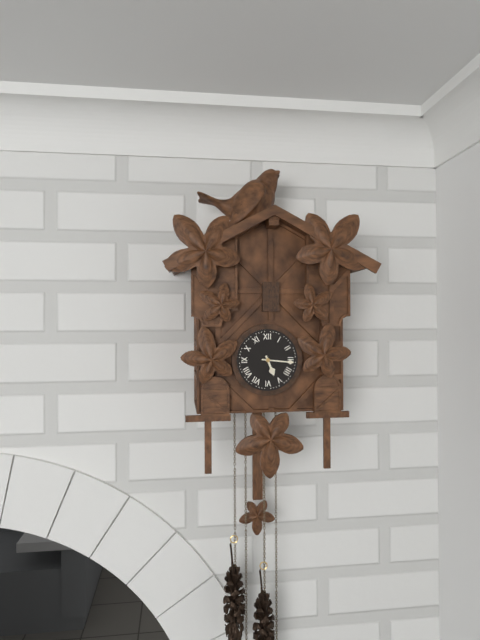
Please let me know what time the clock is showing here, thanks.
5:16
